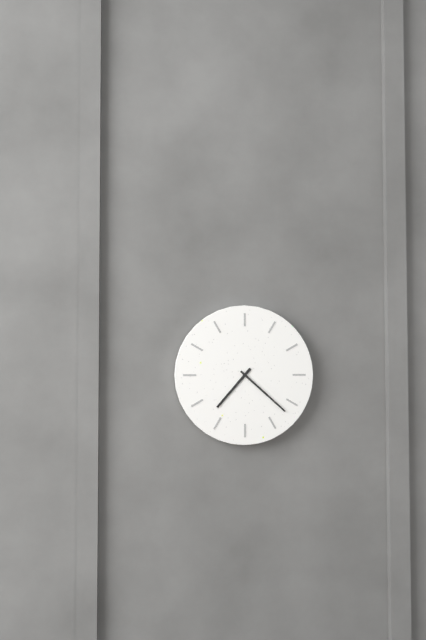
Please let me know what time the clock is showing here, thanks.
7:22
